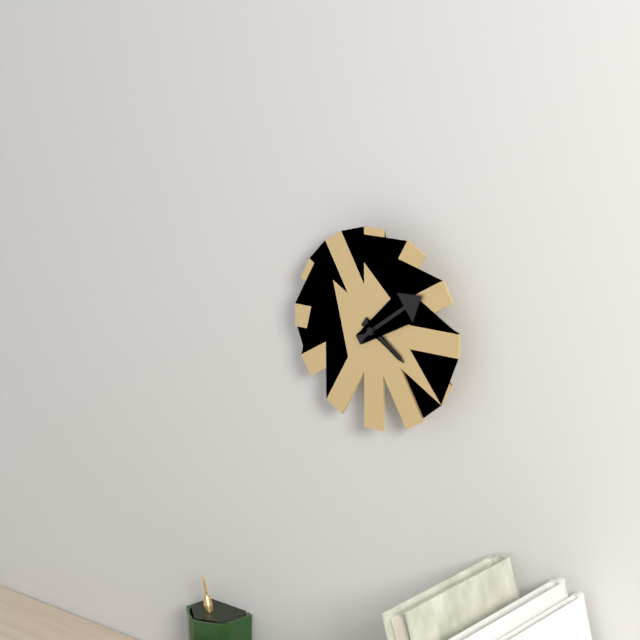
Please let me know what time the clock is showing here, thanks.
4:09
